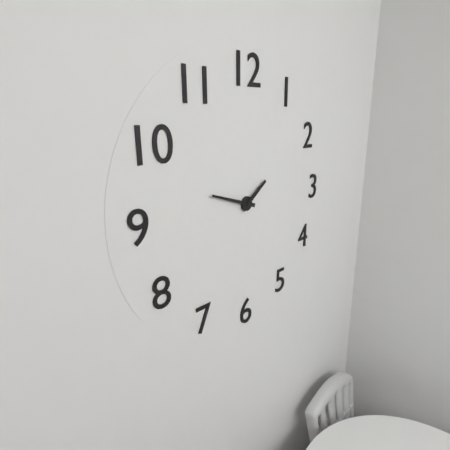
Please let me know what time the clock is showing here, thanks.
1:48
